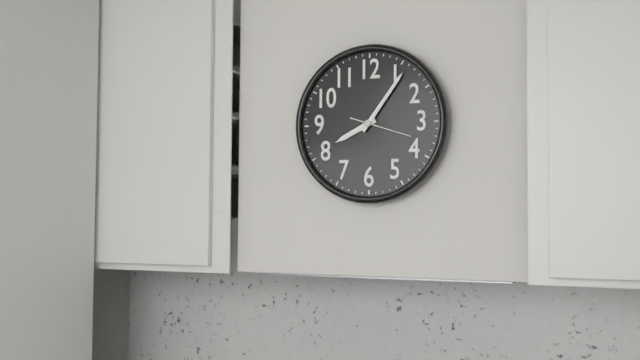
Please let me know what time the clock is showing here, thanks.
8:06
